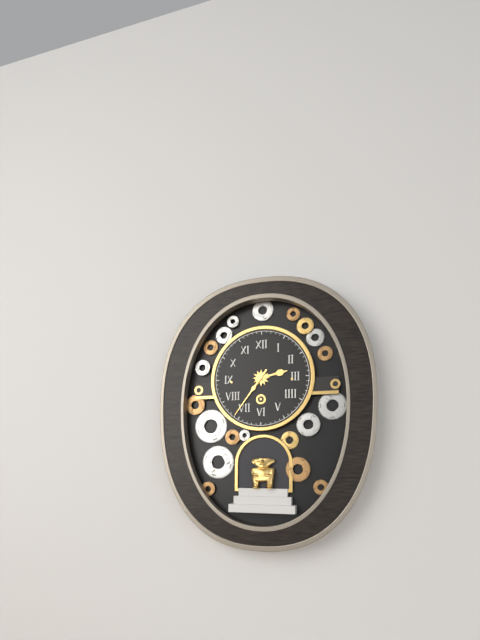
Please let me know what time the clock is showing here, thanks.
2:36
